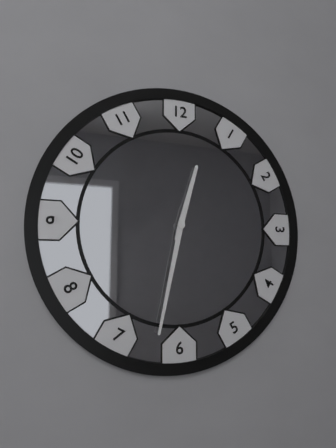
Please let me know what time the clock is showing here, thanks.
12:32
